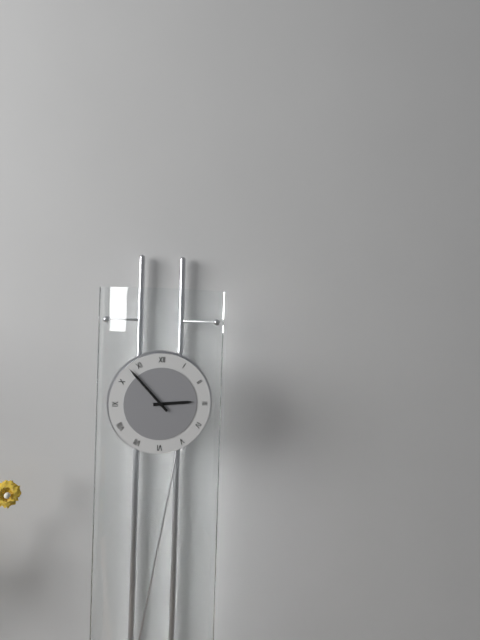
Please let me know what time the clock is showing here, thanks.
2:53
